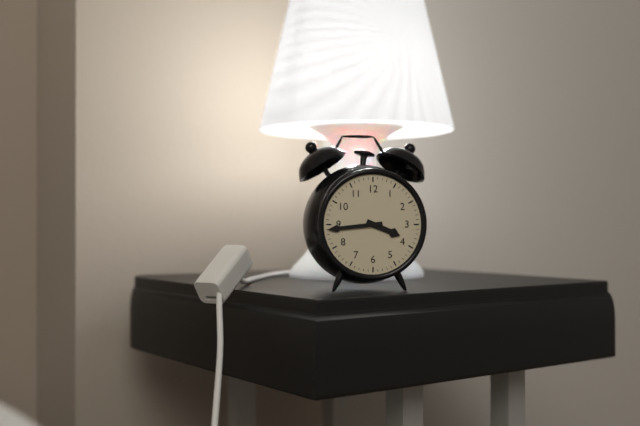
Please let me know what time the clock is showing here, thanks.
3:44
